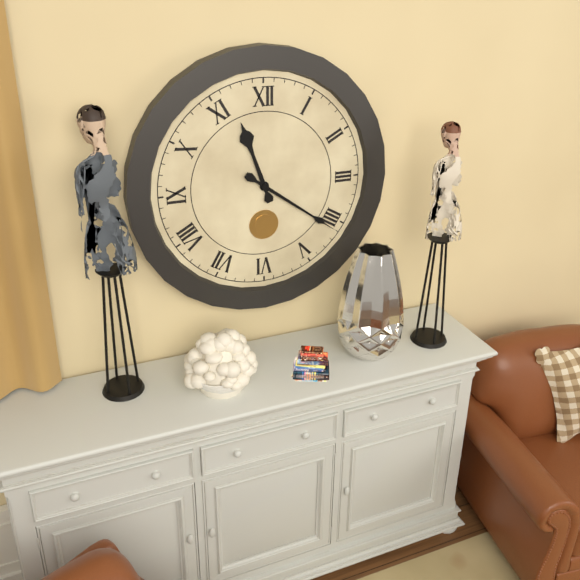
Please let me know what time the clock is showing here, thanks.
11:21
